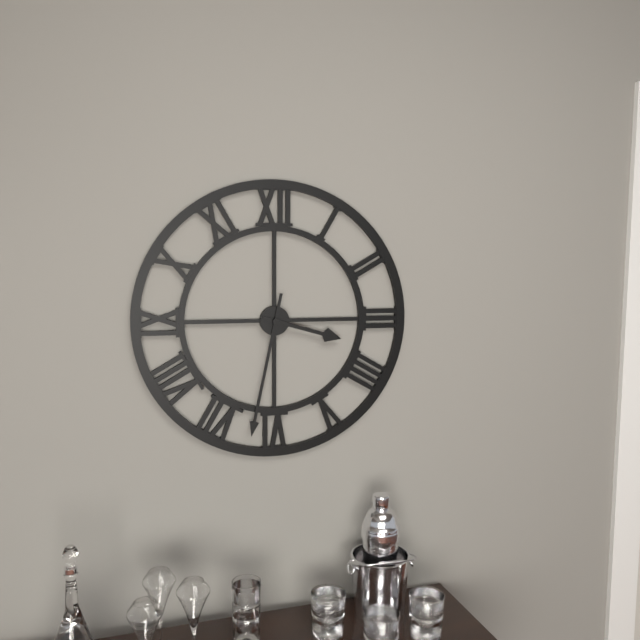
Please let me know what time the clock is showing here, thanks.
3:32
